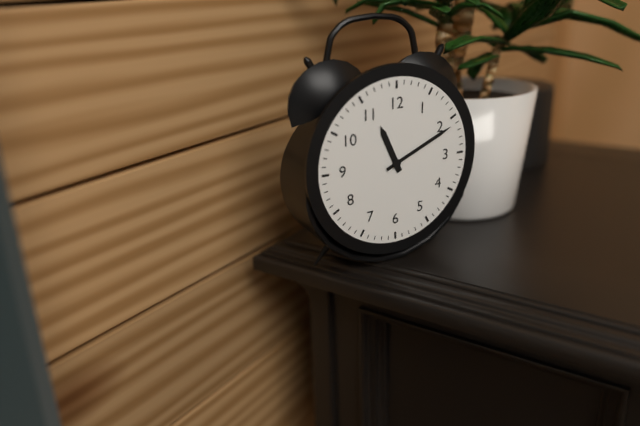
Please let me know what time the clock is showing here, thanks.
11:11
